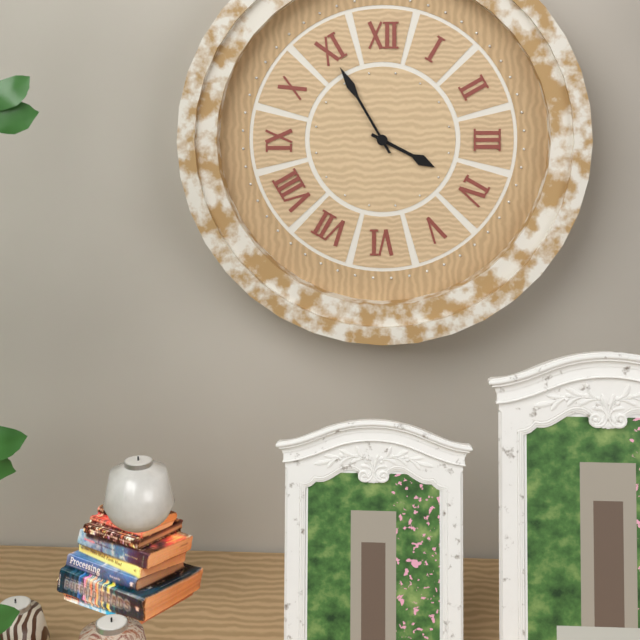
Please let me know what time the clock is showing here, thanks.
3:55
